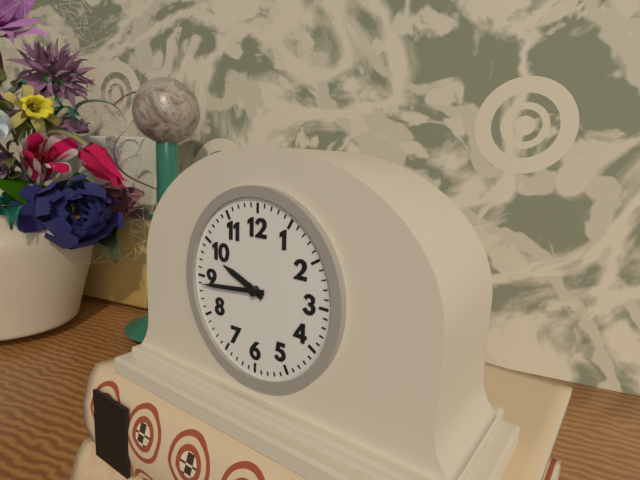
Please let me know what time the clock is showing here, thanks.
9:44
